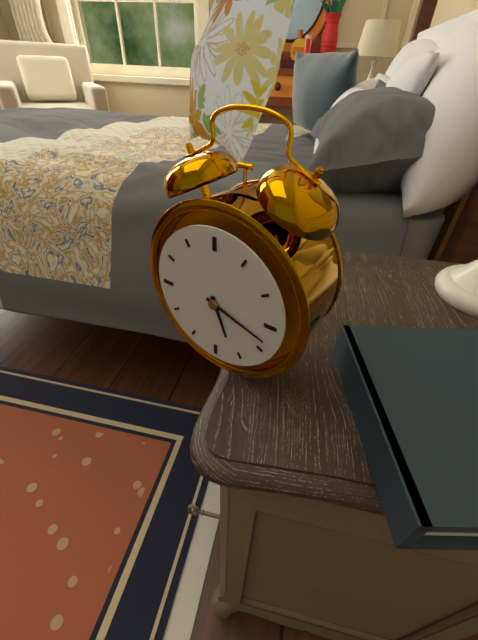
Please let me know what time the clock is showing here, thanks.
5:18
